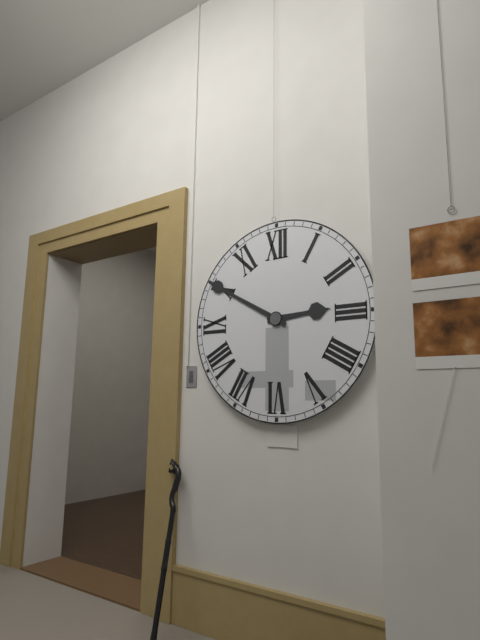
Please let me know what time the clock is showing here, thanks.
2:50
